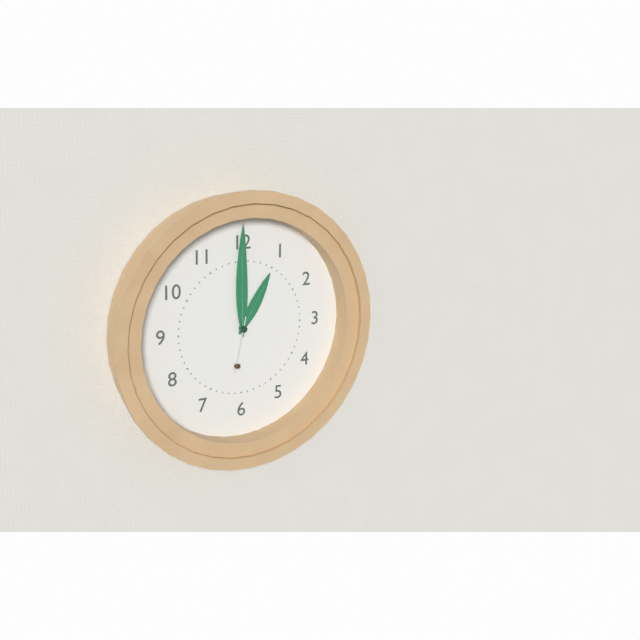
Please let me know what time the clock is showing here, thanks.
1:00:32
